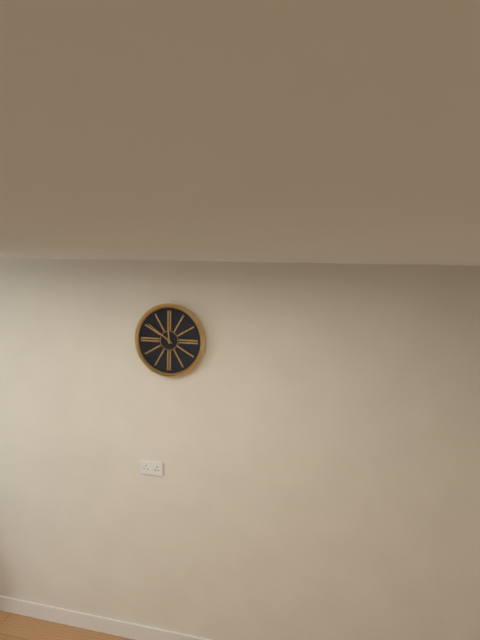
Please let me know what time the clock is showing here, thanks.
11:51
